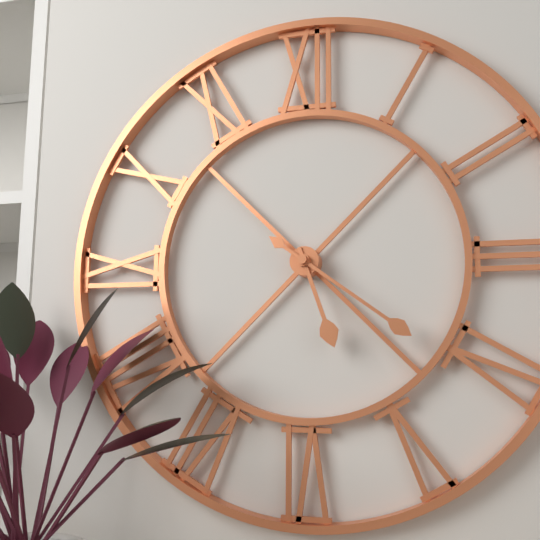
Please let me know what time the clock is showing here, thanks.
5:21
